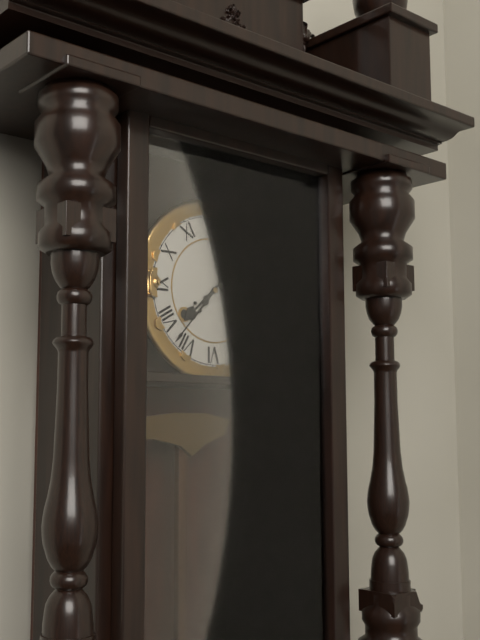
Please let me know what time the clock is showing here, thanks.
7:37
